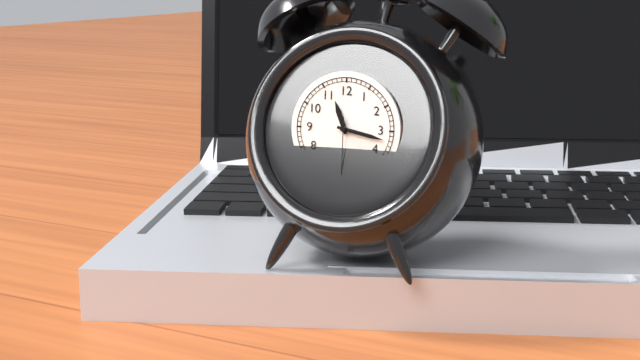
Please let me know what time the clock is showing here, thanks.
11:17:30
